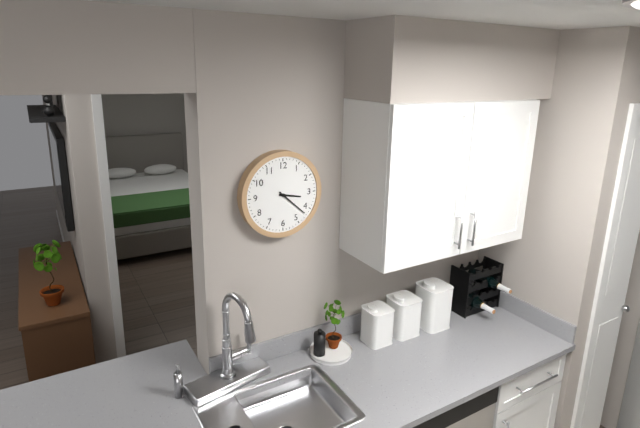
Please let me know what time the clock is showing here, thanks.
3:22
